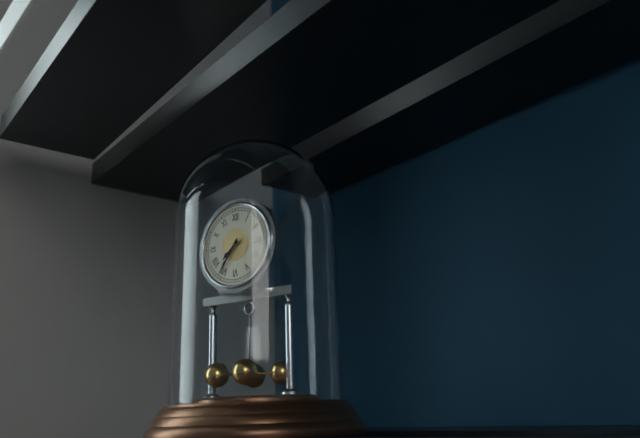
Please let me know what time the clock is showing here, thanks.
7:36
